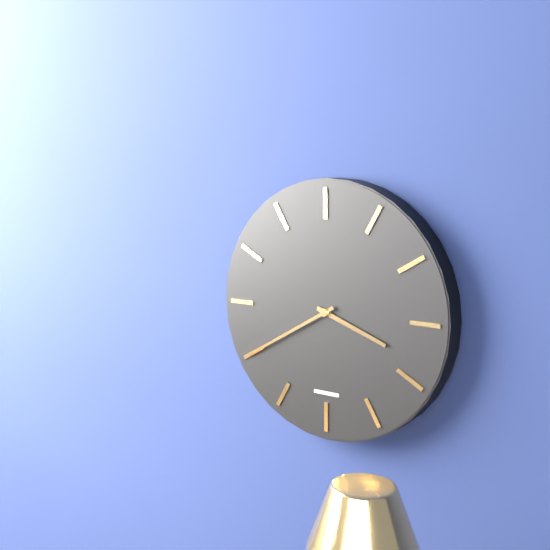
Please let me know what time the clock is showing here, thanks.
3:40
